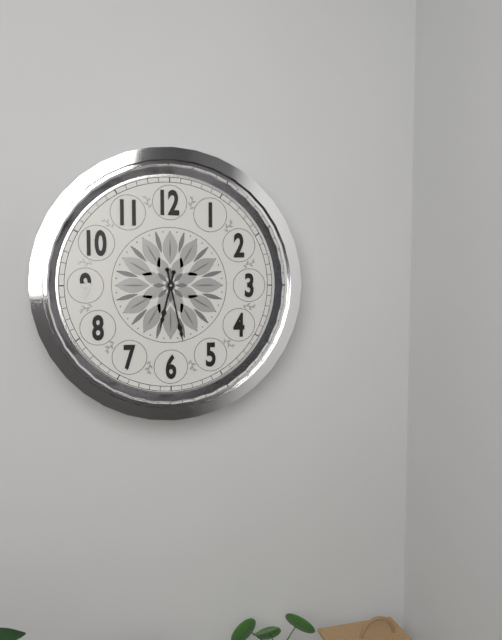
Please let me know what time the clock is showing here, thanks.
6:28
